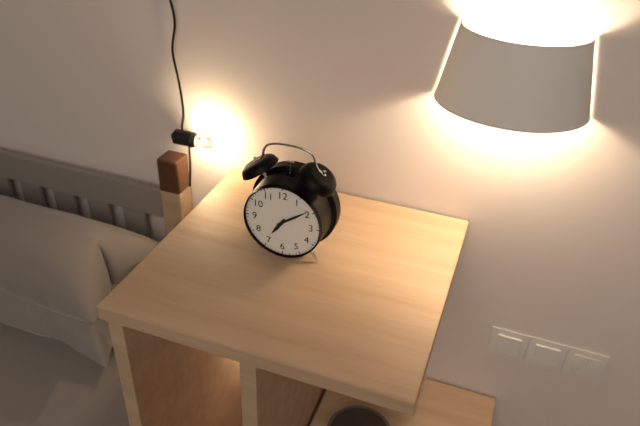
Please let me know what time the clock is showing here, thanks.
7:09
